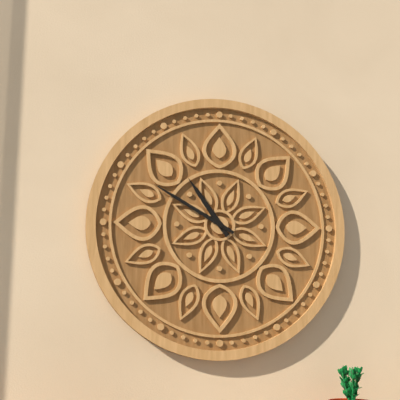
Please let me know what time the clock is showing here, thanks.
10:50
